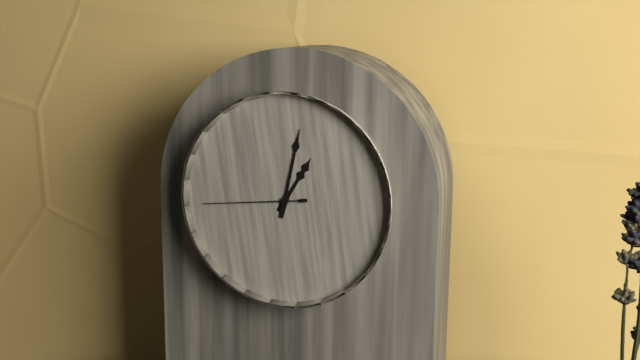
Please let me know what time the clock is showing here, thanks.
1:02:44
